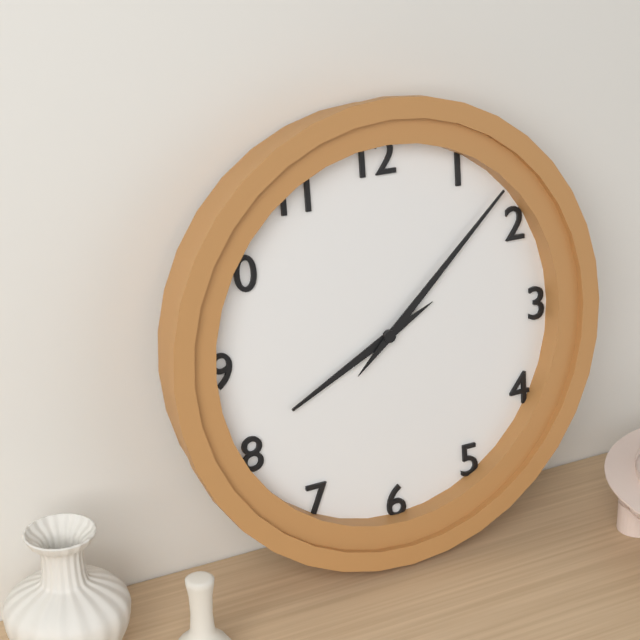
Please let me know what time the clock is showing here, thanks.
8:08
